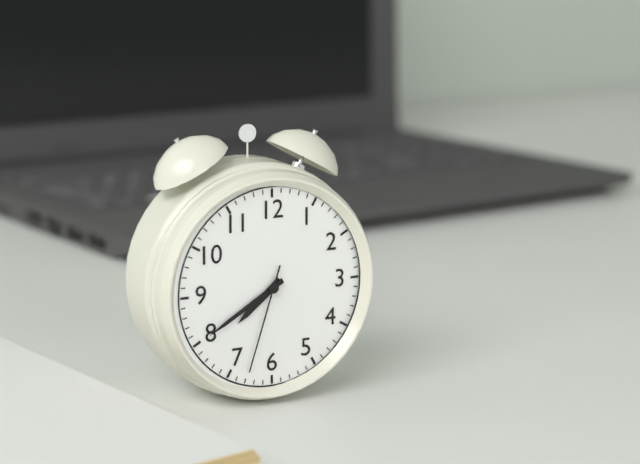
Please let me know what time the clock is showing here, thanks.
7:40:33
